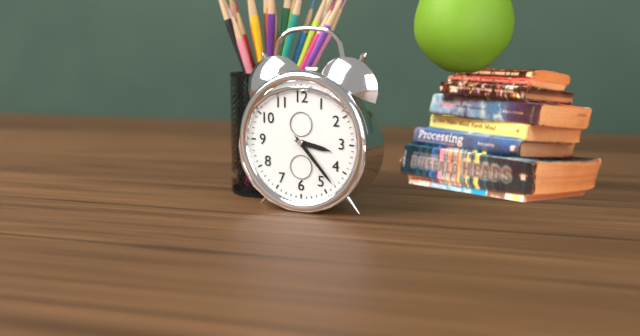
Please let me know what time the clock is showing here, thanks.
3:23
